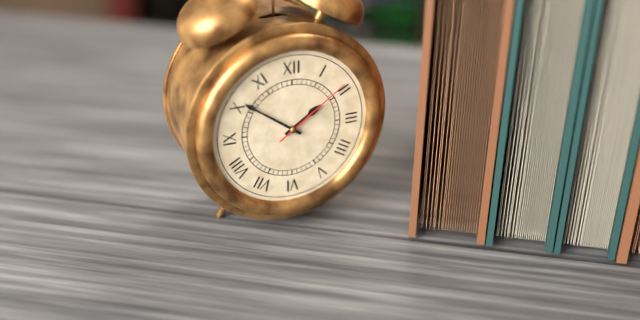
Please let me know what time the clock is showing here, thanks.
1:51:09
